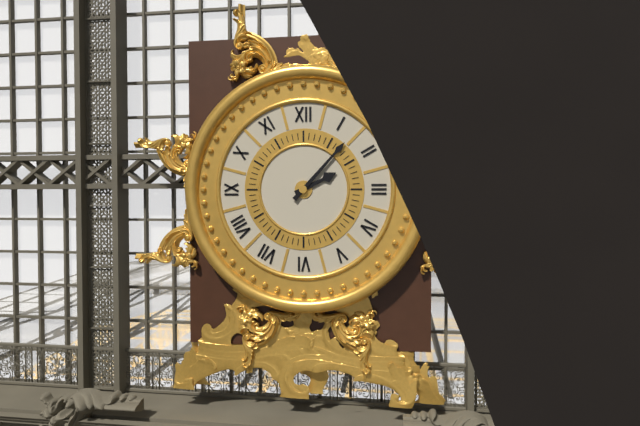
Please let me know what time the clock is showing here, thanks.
2:07
